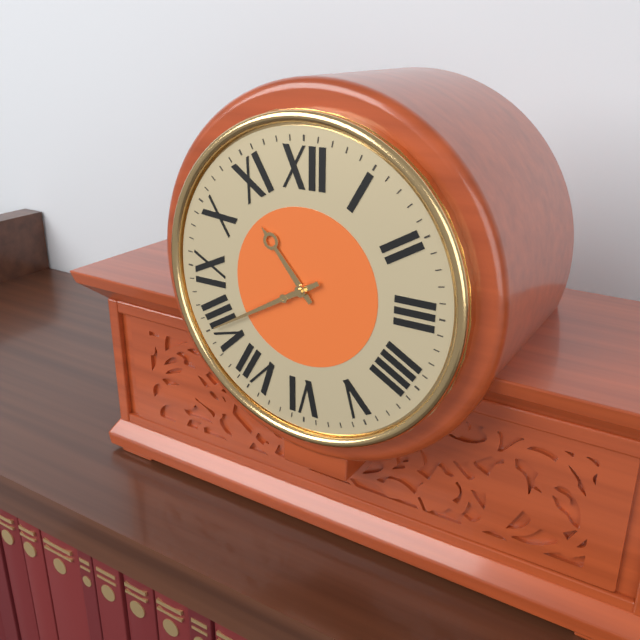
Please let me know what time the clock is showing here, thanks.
10:40
